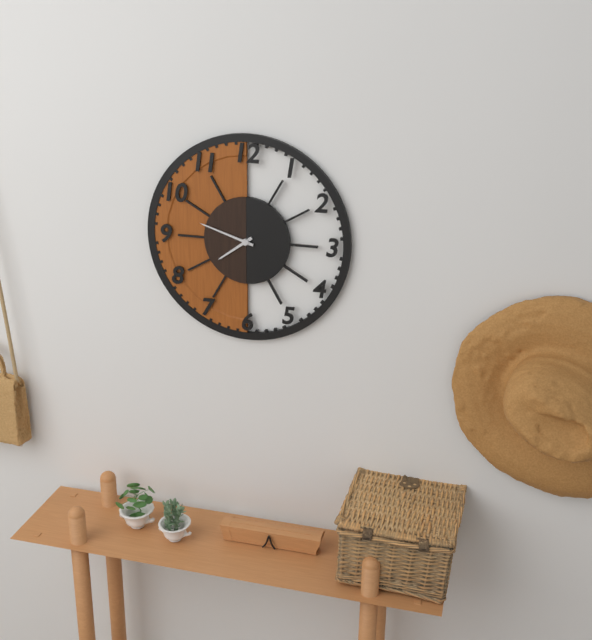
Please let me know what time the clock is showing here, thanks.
7:48
